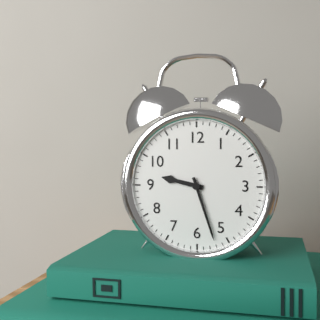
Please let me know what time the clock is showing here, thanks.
9:27
